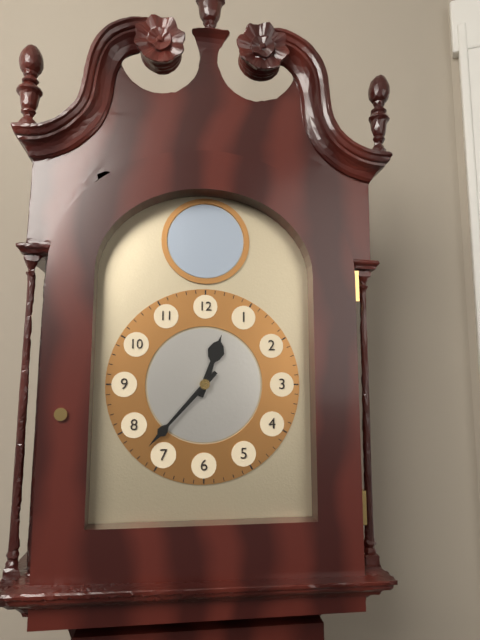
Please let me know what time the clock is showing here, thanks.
12:37
